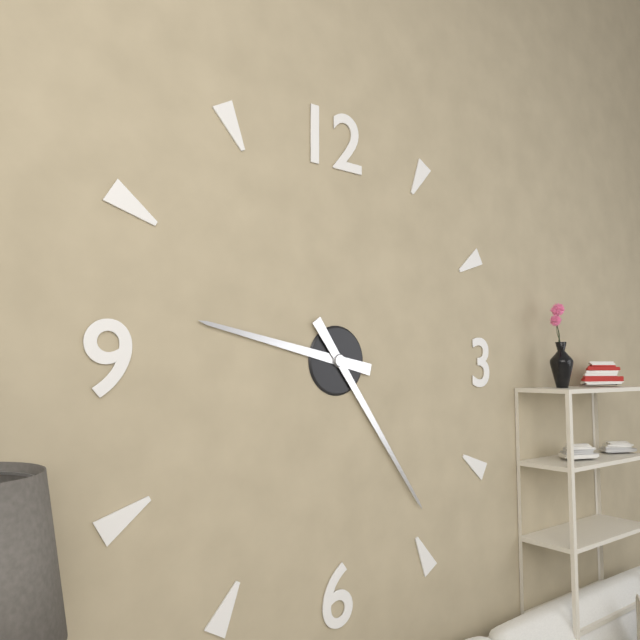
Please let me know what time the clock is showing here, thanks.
9:24
